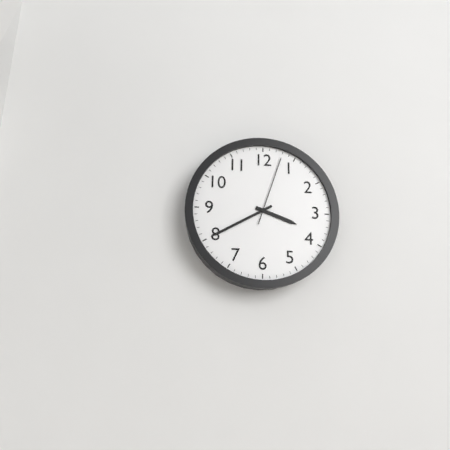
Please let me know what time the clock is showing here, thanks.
3:40:03
